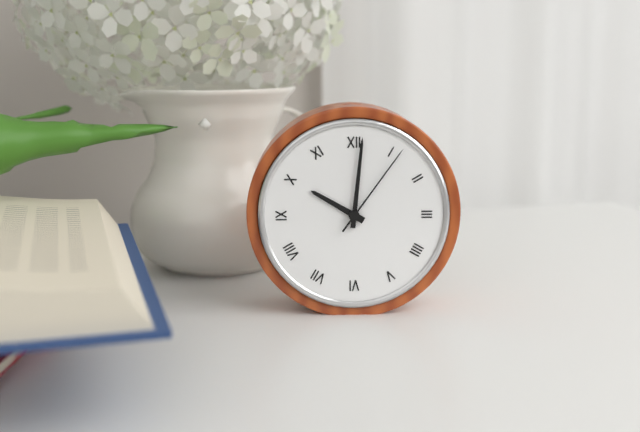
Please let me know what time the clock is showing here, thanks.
10:01:06
